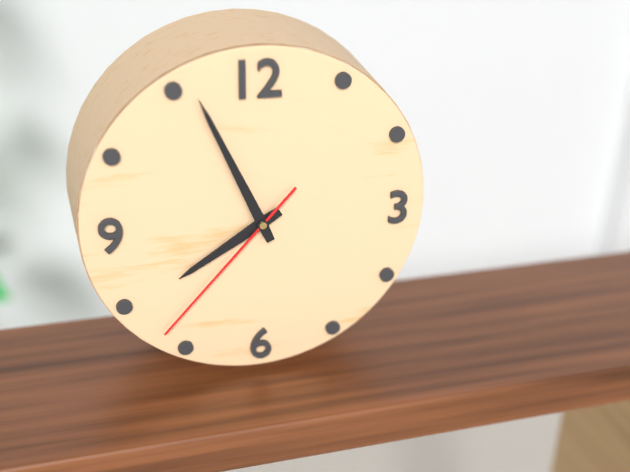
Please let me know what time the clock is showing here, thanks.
7:56:37
